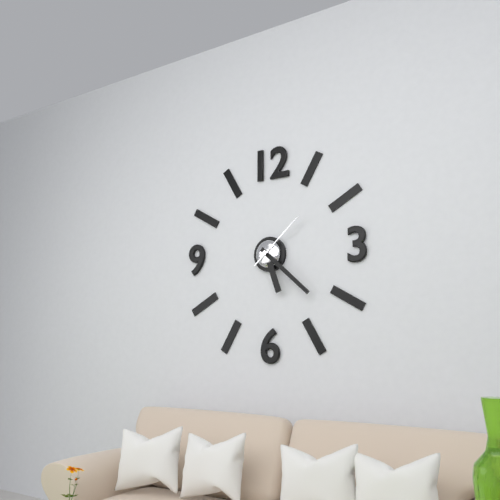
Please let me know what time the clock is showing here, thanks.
5:22:08
